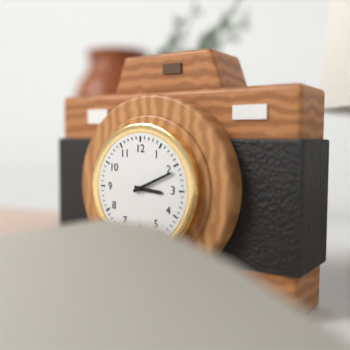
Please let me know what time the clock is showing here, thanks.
3:11
